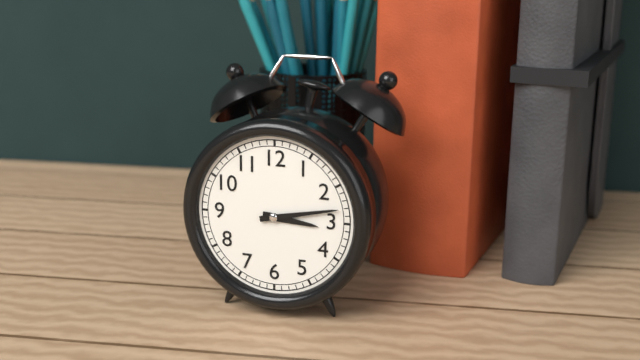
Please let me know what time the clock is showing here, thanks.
3:13
